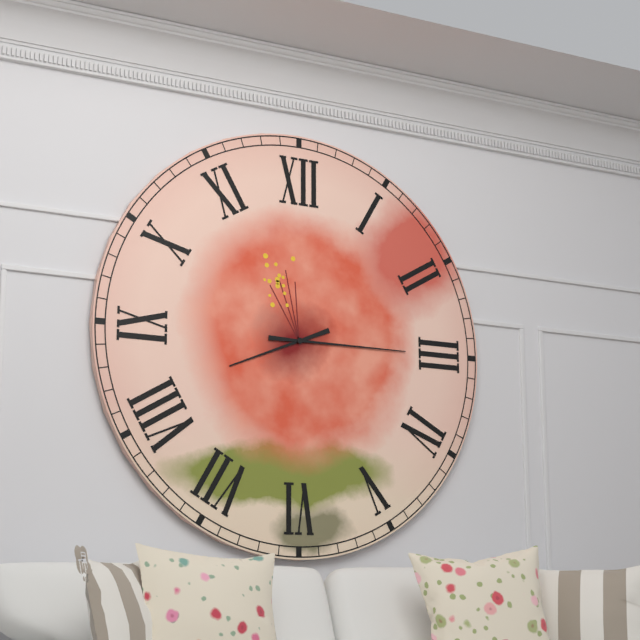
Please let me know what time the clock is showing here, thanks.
8:15
